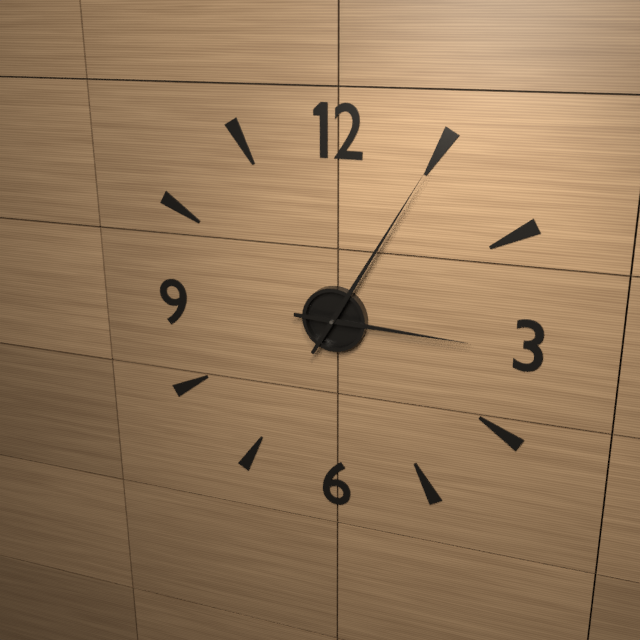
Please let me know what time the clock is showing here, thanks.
3:05
